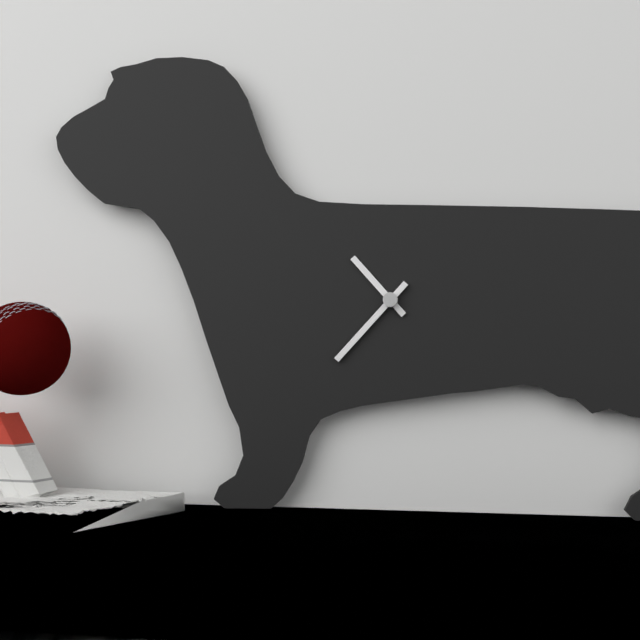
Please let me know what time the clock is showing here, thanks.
10:37
